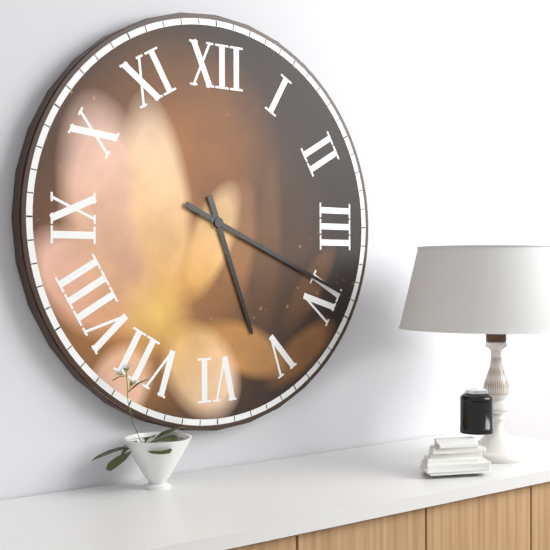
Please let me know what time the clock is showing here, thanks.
5:19
